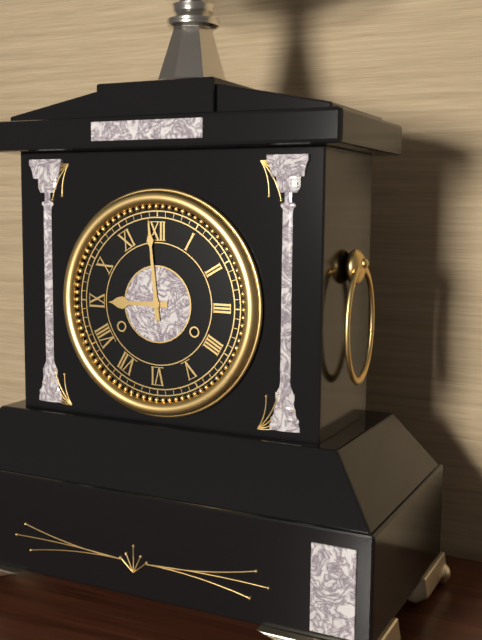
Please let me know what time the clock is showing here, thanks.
8:59
